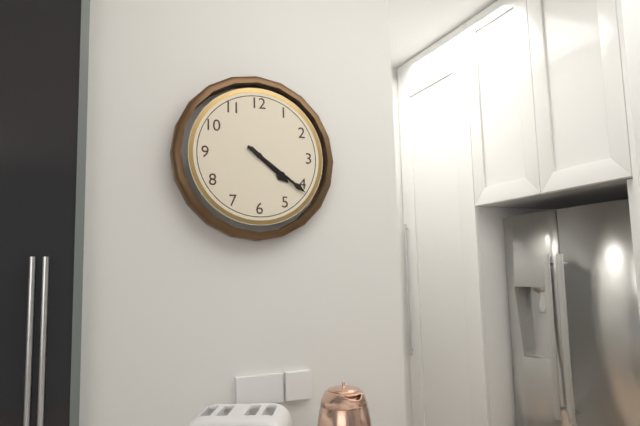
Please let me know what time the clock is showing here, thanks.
4:21
